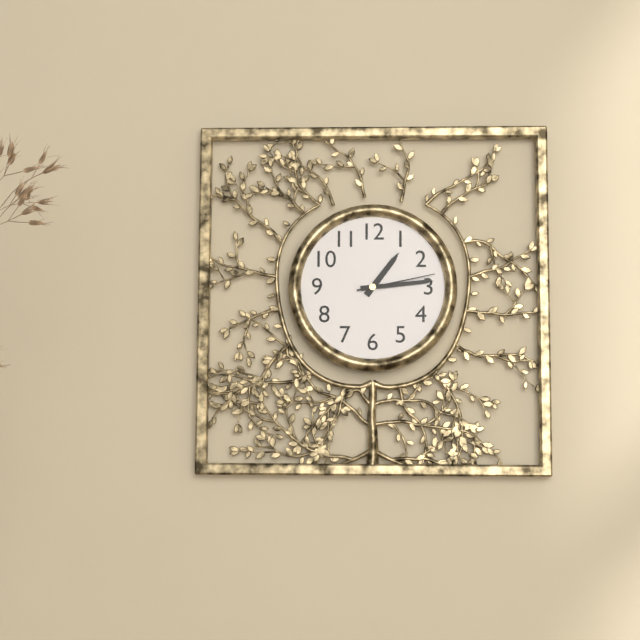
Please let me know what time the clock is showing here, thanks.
1:14:13
